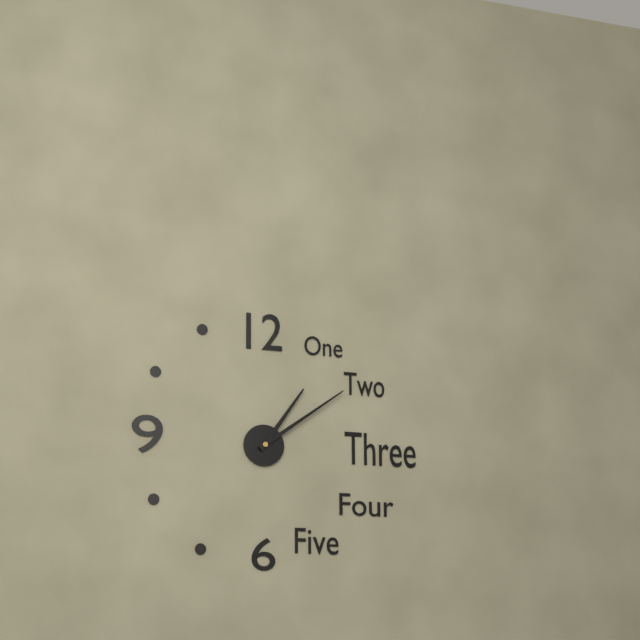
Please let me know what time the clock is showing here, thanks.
1:09
